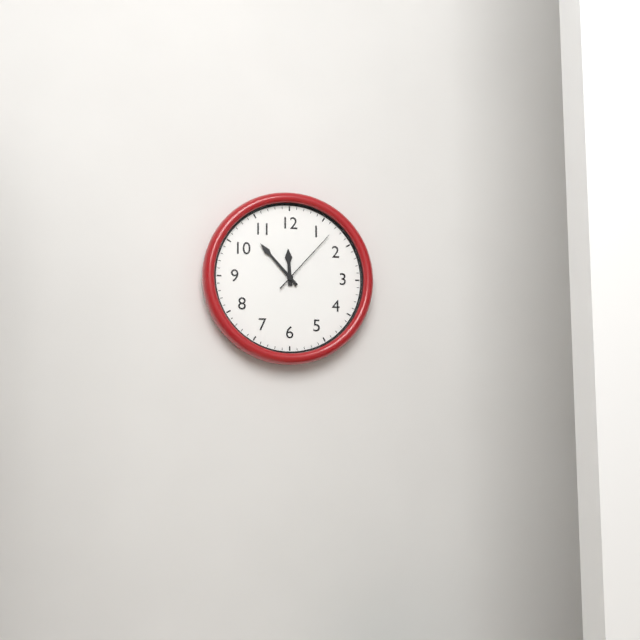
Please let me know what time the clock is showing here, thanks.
11:53:07
